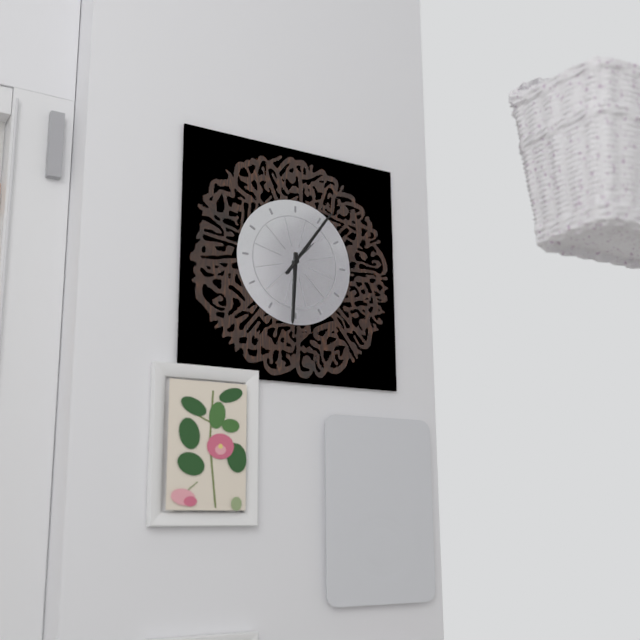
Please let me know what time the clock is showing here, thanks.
6:06
